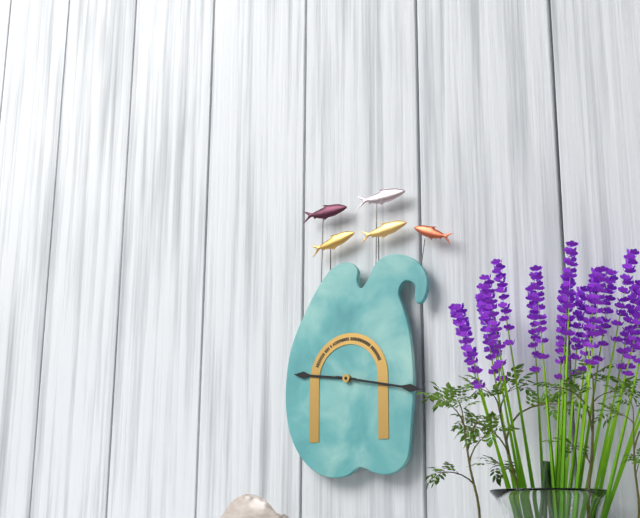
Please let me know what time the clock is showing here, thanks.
9:17
